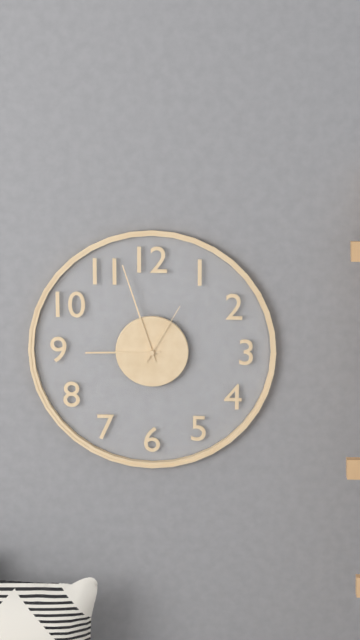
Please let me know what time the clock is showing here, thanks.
8:57:05
